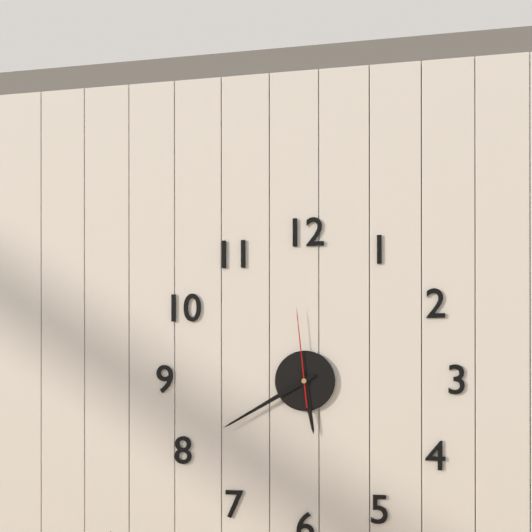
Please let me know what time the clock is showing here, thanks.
5:40:59
